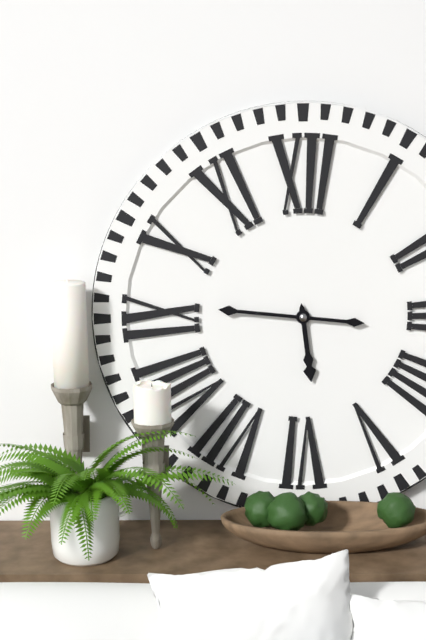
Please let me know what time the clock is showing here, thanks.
5:46
